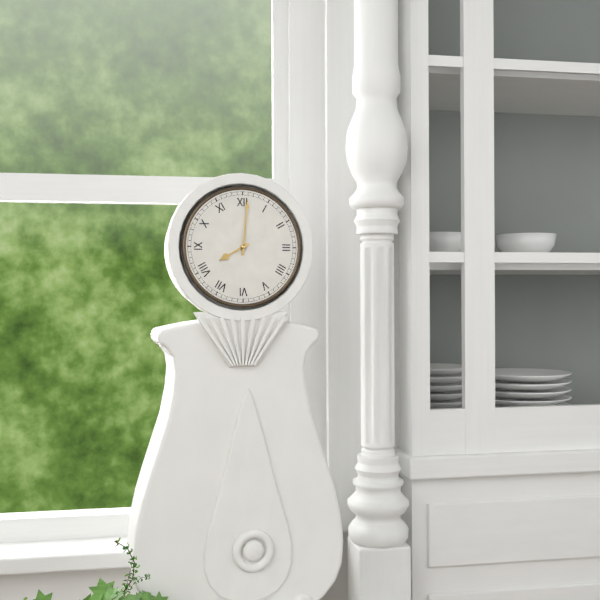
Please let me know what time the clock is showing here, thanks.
8:01
